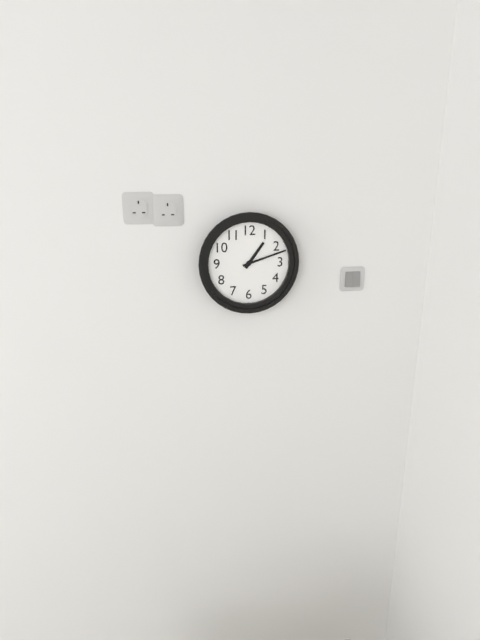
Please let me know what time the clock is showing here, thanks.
1:12
